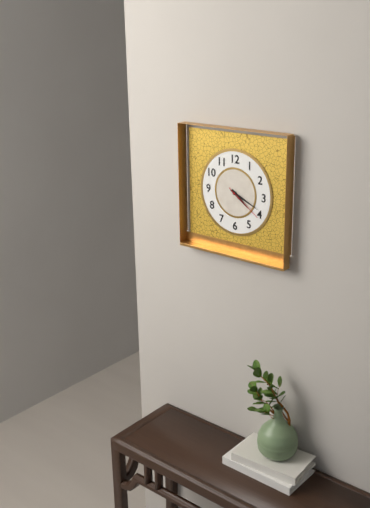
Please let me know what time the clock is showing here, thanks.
4:19
